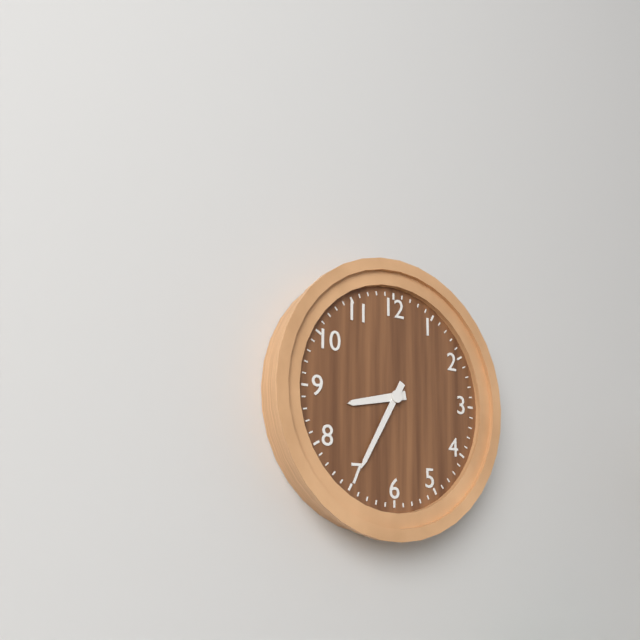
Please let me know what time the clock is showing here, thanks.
8:35
